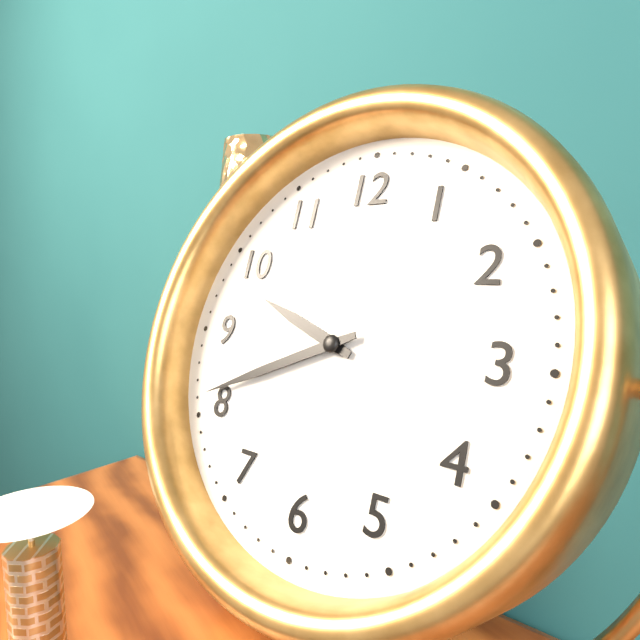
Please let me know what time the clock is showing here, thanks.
9:41
